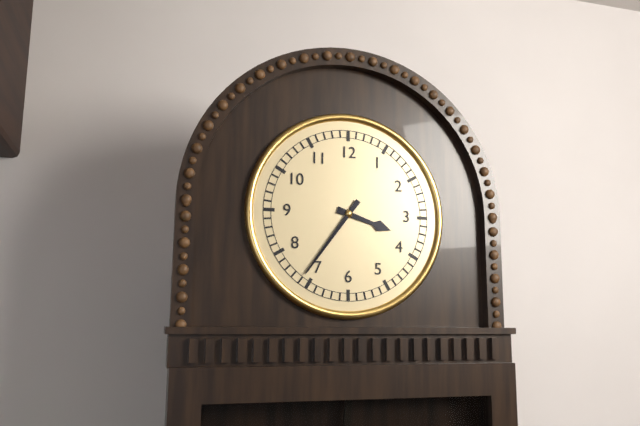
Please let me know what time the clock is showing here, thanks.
3:36
